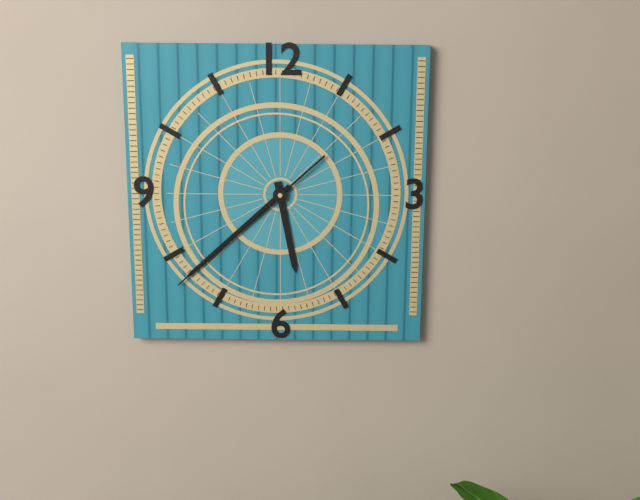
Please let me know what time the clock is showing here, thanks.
5:38:38
